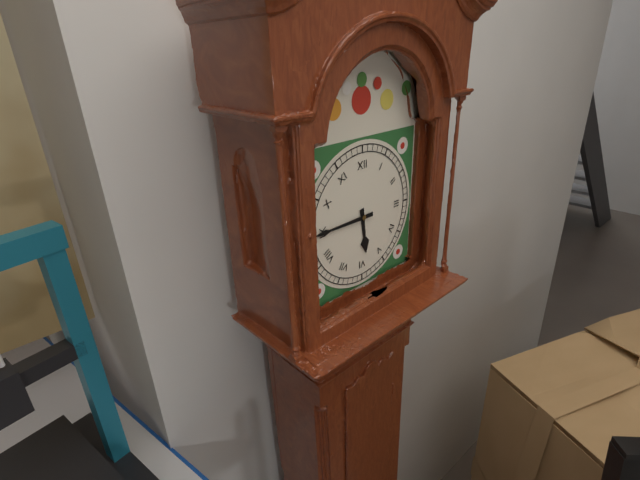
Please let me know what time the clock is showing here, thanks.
5:45
